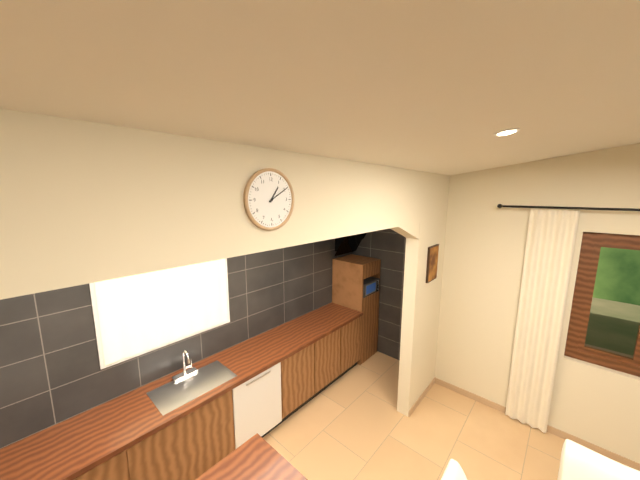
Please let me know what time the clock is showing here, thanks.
1:10
